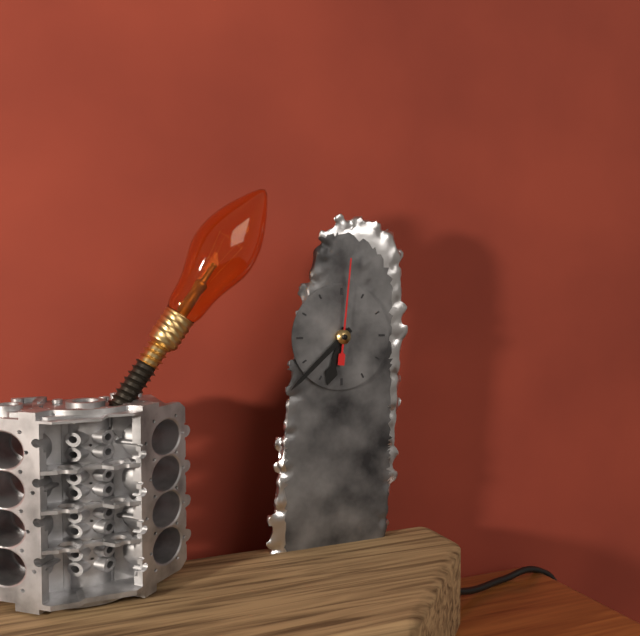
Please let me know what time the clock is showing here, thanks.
6:38:01
